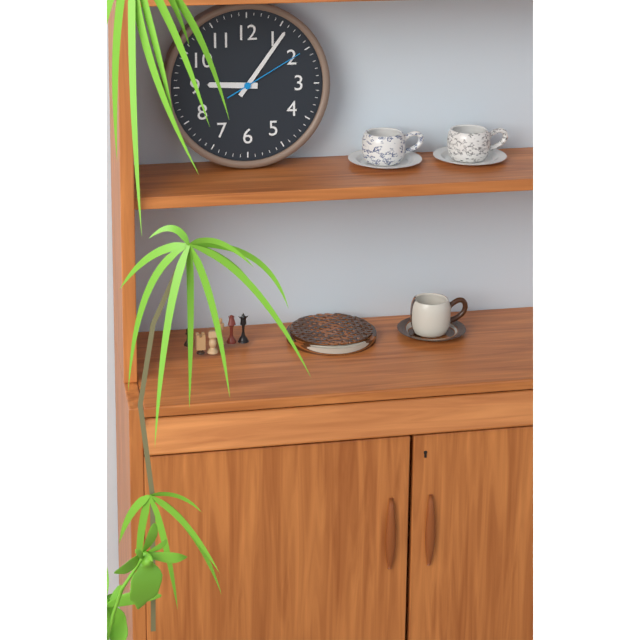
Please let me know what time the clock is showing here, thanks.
9:06:10
